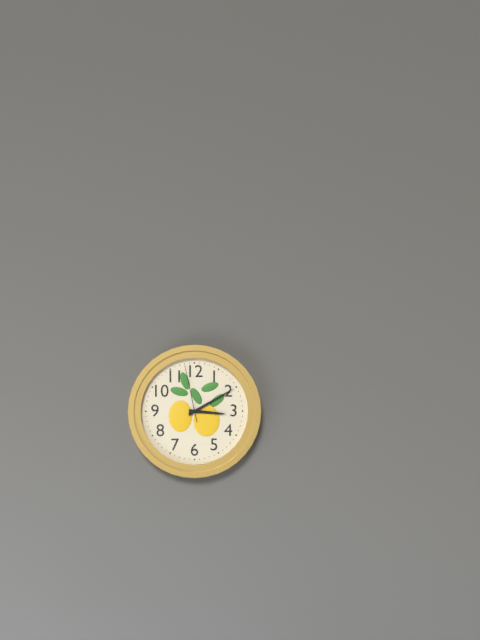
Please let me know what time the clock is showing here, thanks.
3:10:58
